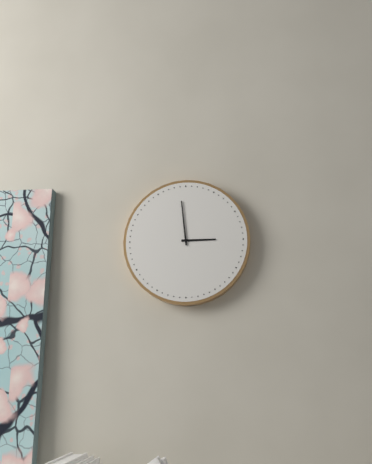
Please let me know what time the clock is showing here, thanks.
2:59
